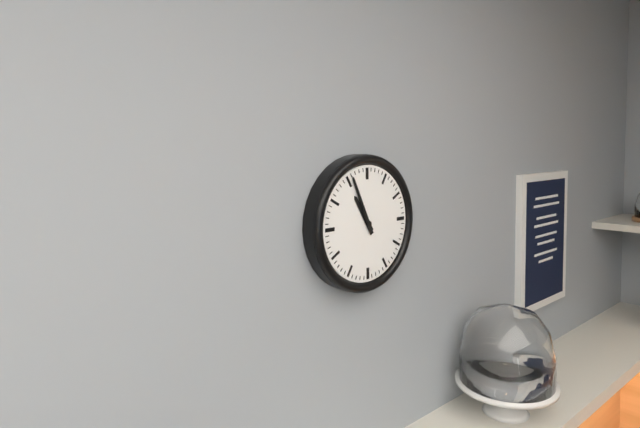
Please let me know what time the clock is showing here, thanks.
10:56
